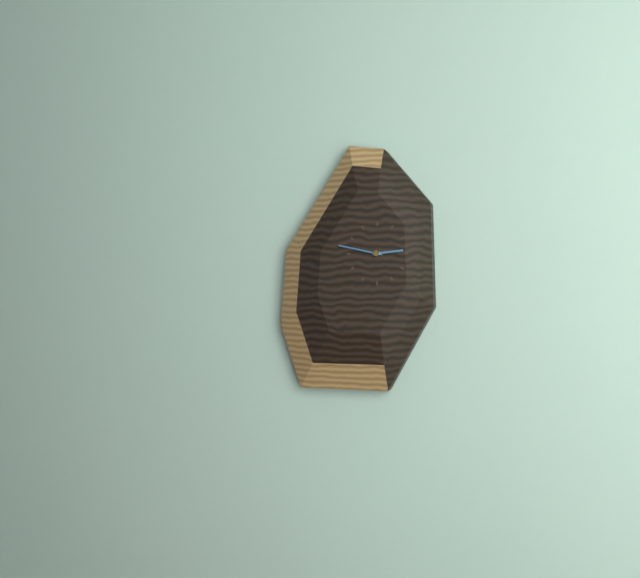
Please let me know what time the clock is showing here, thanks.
2:47
